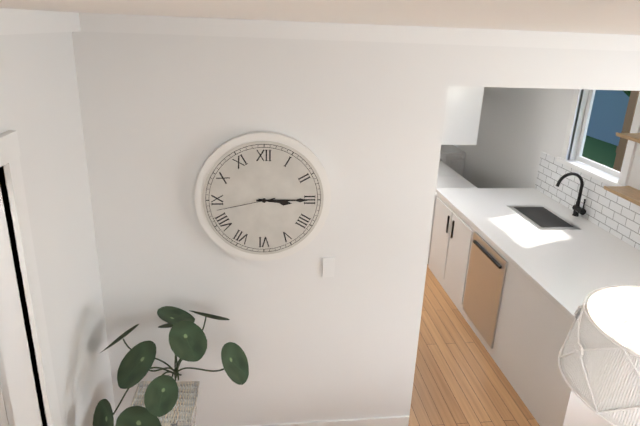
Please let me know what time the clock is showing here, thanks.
3:15:43
